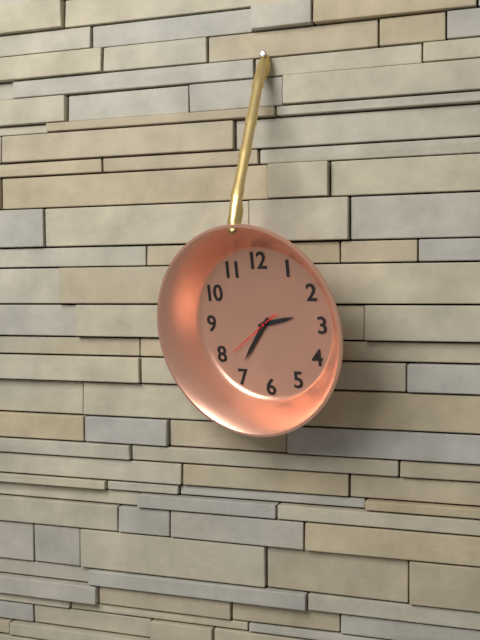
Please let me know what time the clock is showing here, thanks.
2:36:39
